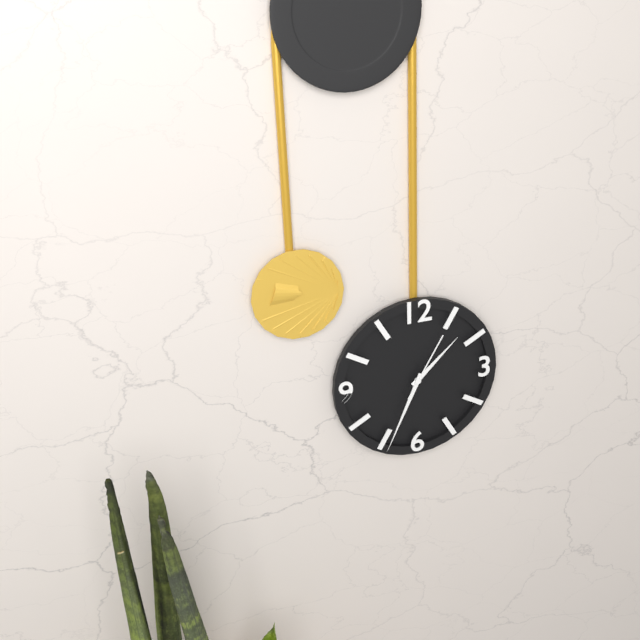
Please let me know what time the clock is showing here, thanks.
1:34:05
